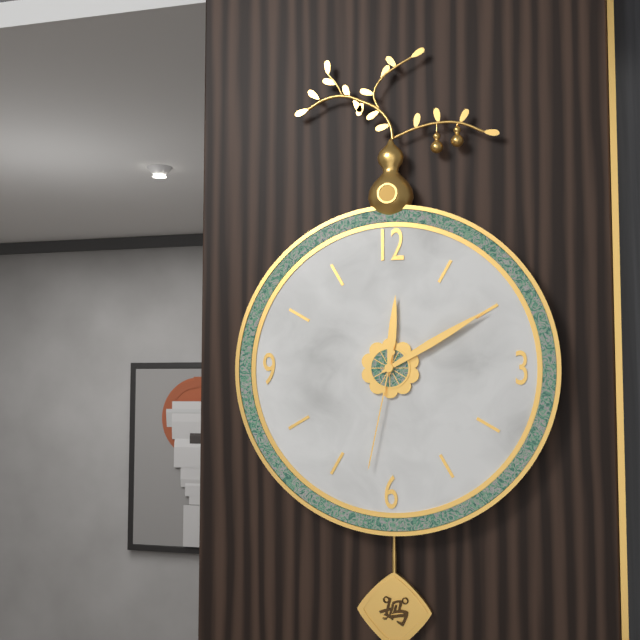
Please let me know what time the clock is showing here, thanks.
12:10:32
